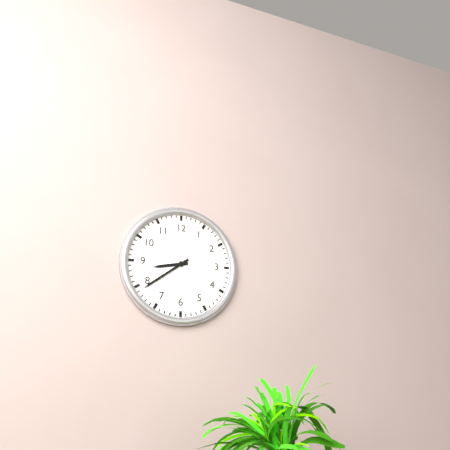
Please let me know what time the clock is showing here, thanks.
8:39
